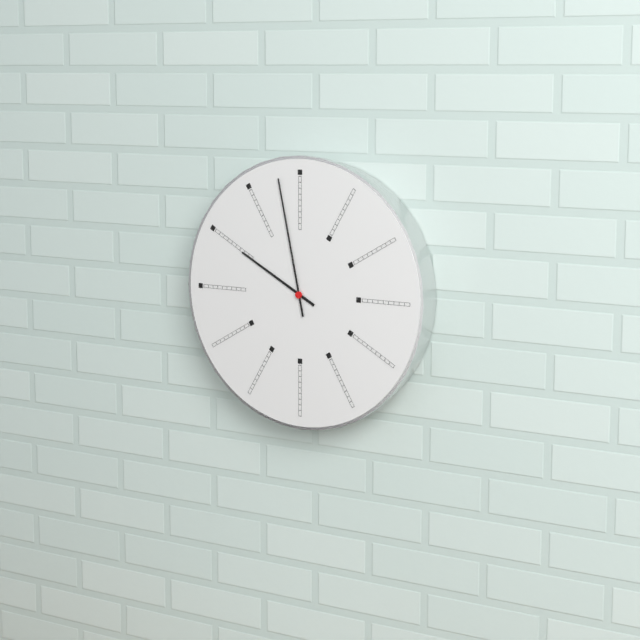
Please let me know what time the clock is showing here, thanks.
9:58
